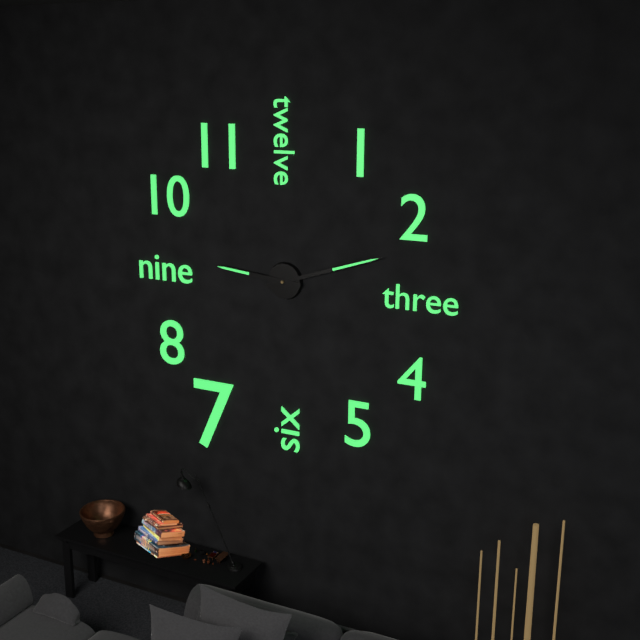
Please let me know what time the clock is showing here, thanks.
9:12
